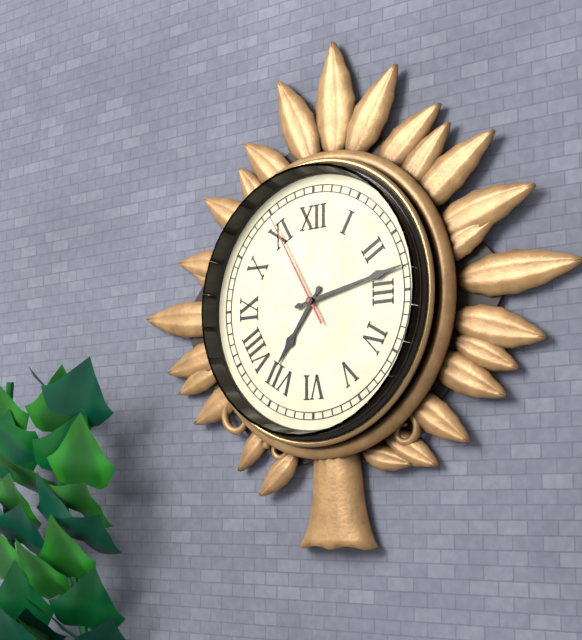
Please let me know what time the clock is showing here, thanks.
7:13:55
